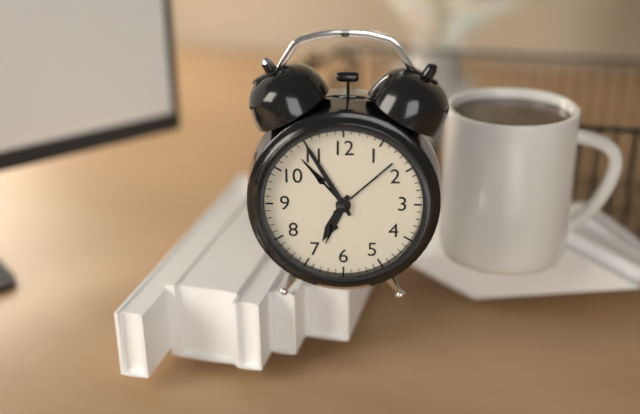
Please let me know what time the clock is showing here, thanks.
6:55
